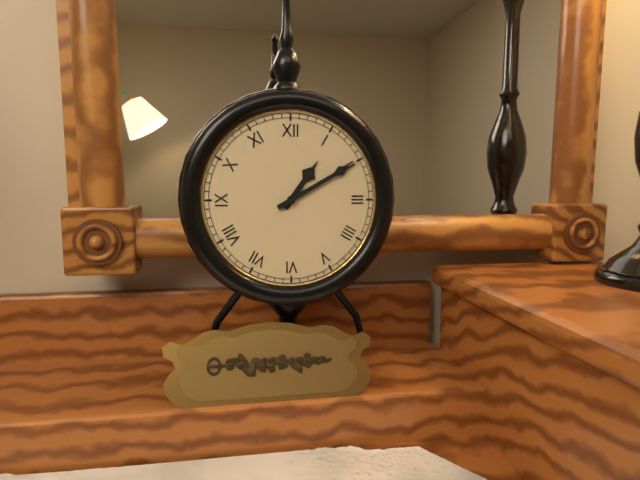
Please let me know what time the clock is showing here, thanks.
1:10
